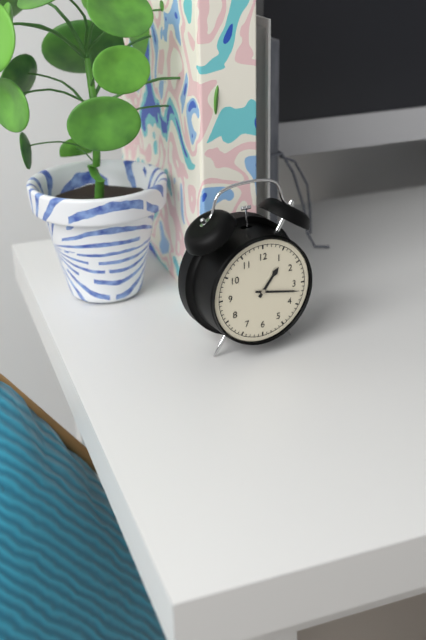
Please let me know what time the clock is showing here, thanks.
1:17
